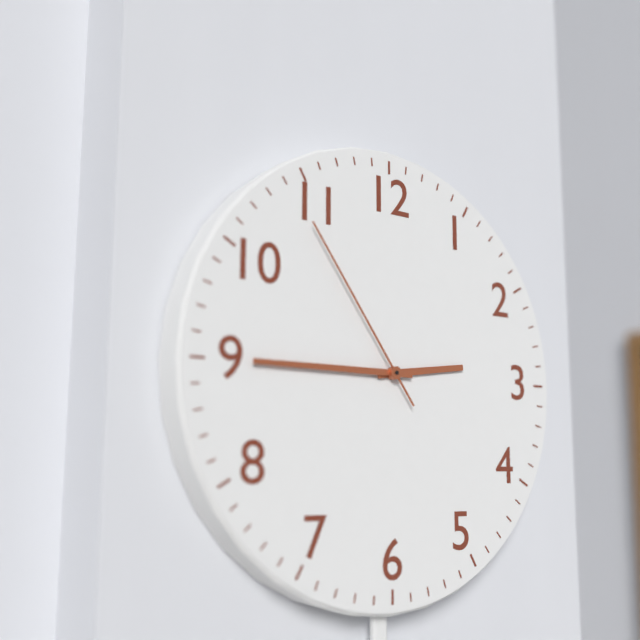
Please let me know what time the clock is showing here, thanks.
2:45:54
